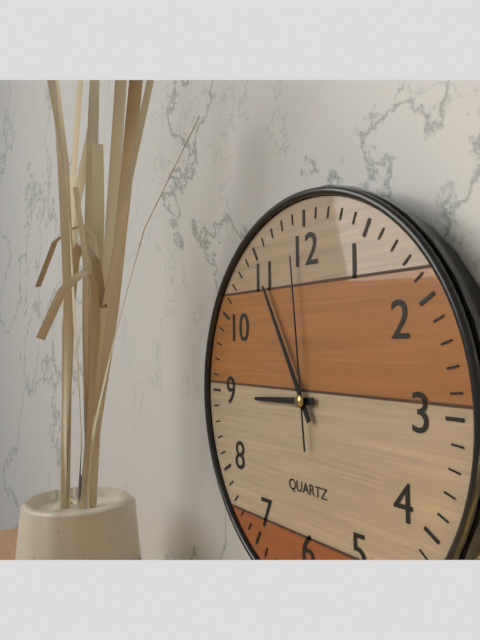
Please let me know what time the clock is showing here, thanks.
8:55:59
